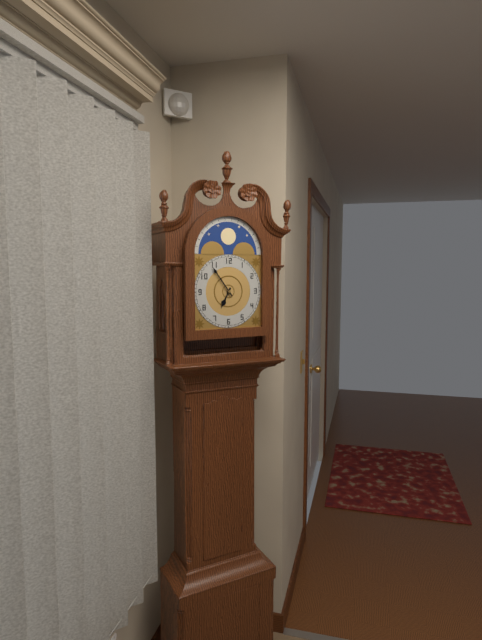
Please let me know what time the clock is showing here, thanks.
6:54
